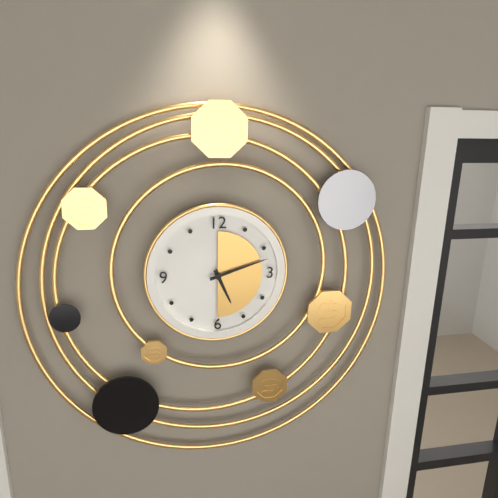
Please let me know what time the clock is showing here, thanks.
5:12
